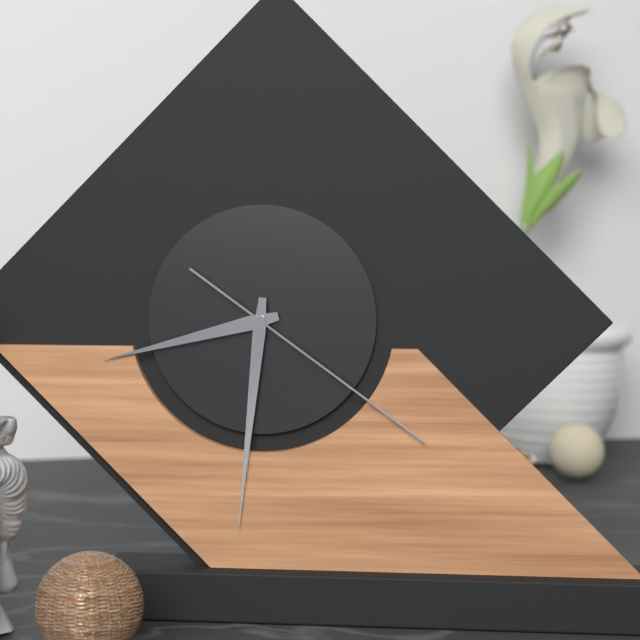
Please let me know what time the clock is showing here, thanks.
8:31:21
